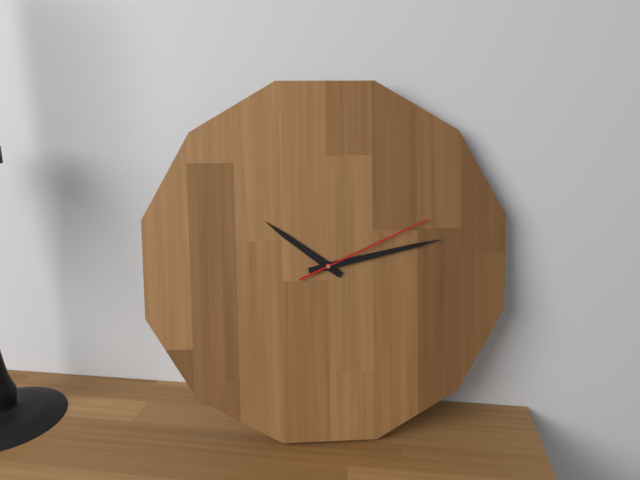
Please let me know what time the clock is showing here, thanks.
10:13:11
